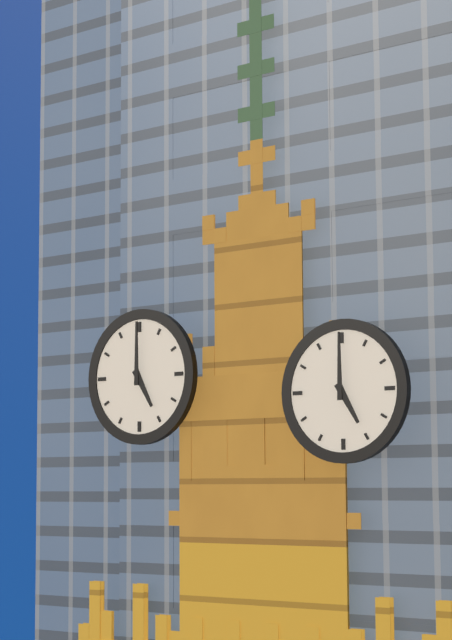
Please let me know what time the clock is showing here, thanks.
5:00
